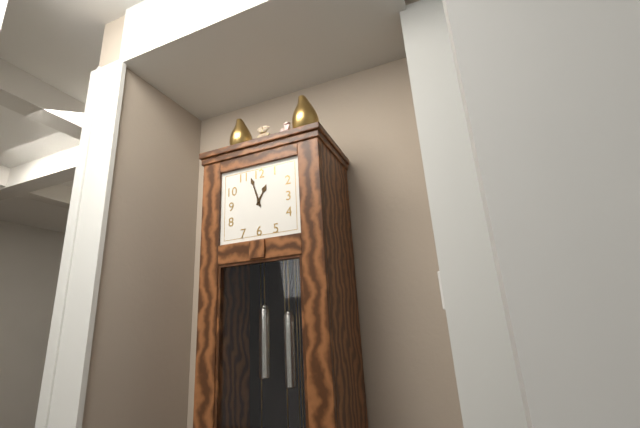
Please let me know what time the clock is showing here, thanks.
12:57
